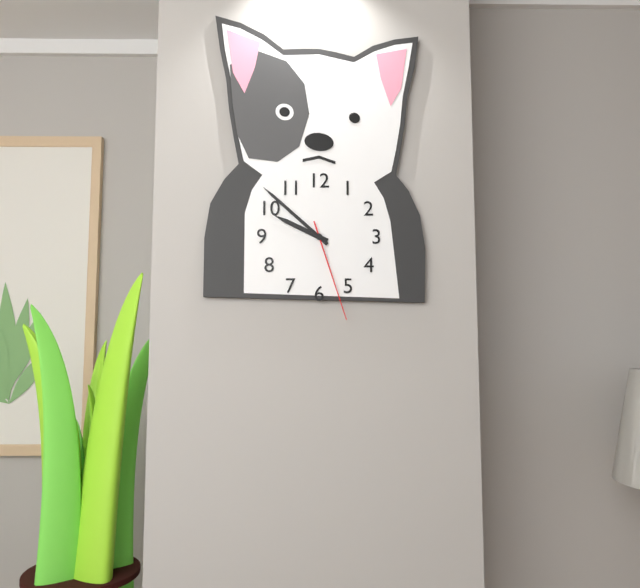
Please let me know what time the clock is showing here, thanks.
9:52:27
